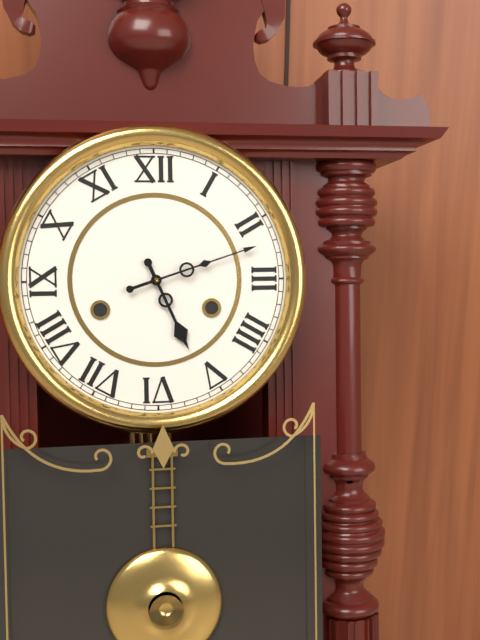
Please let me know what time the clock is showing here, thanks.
5:12
